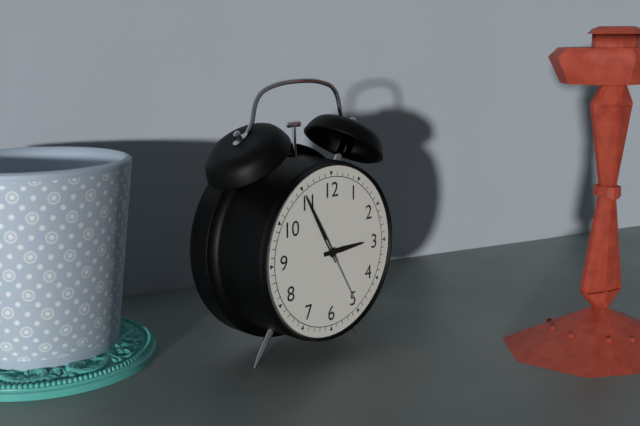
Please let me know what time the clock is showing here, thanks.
2:55:25
